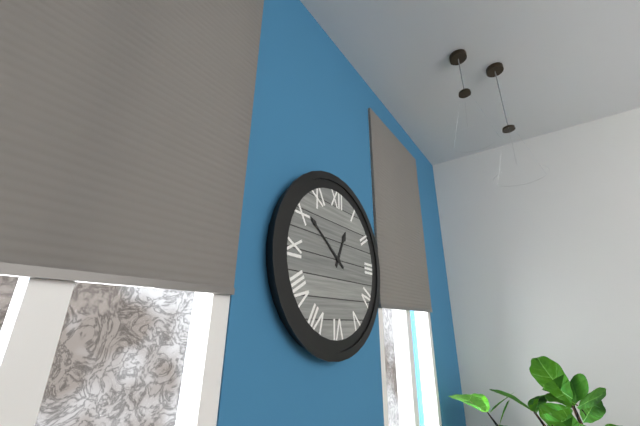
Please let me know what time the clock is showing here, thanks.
12:51
